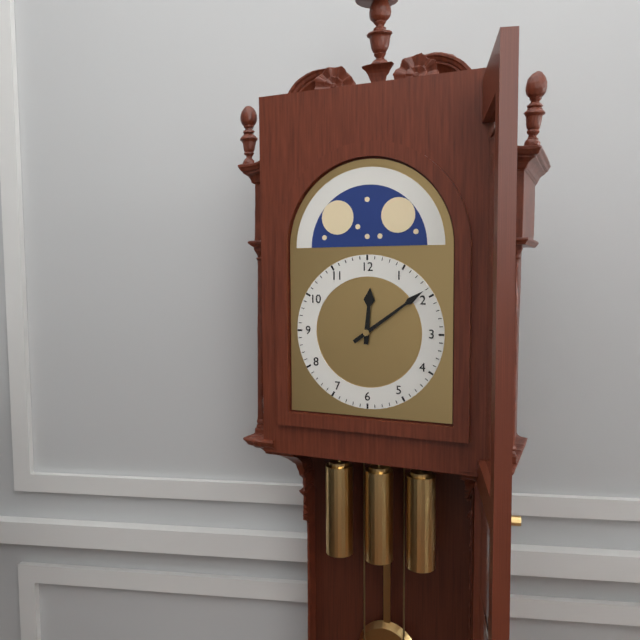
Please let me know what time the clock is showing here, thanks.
12:09
